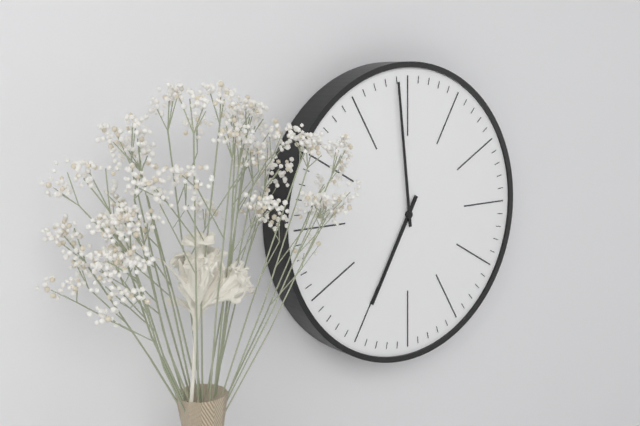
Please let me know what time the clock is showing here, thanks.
6:59
